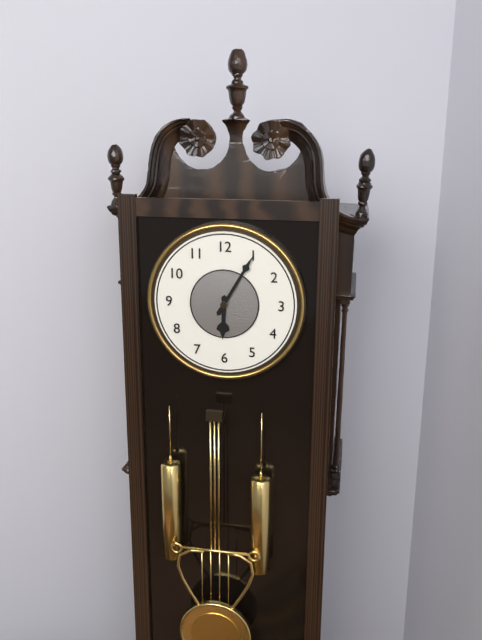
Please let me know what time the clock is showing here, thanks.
6:05
